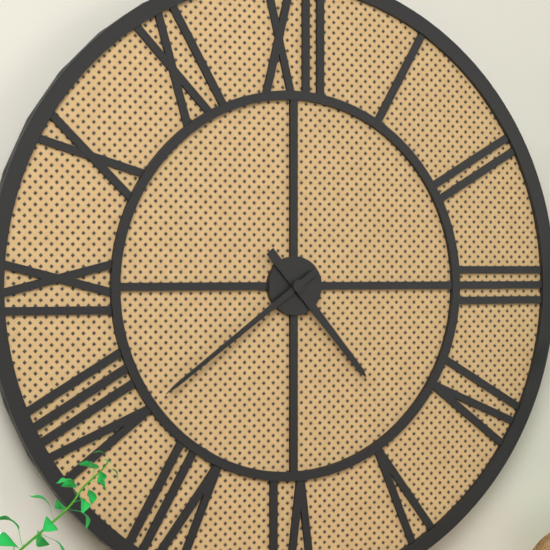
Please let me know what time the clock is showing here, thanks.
4:39
